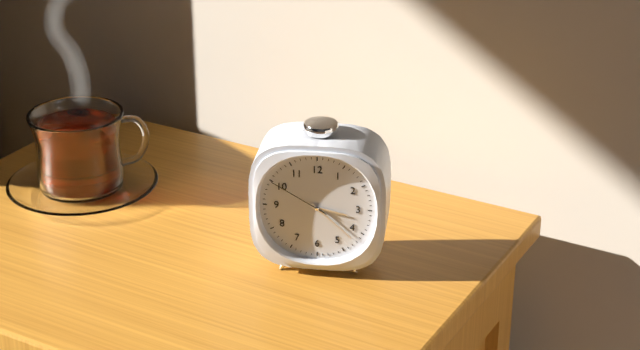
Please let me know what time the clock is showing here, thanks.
3:22:50
